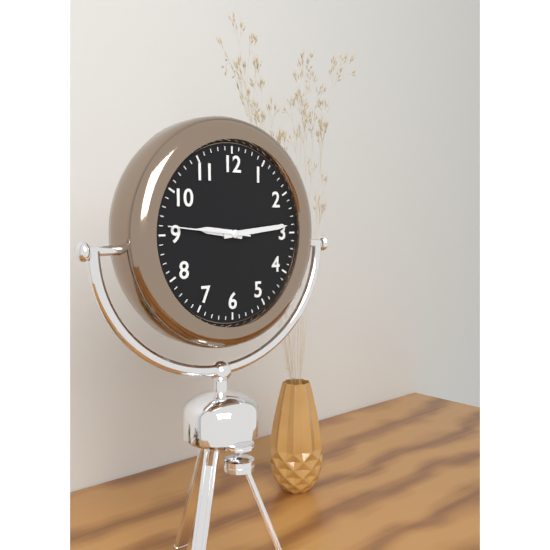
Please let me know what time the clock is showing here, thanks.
9:14:46
